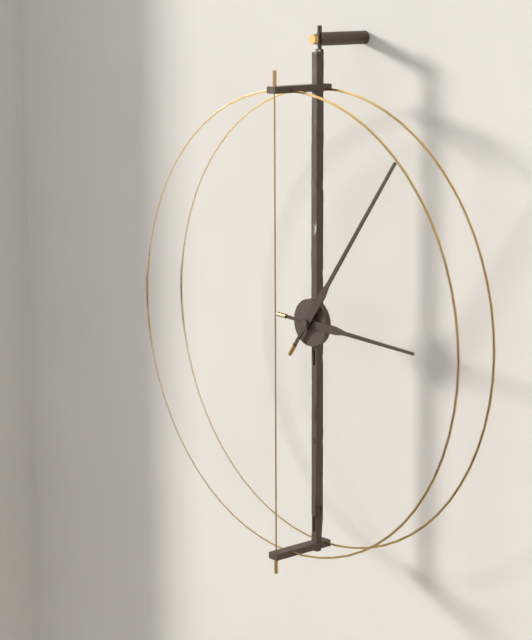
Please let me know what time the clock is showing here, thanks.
3:06
